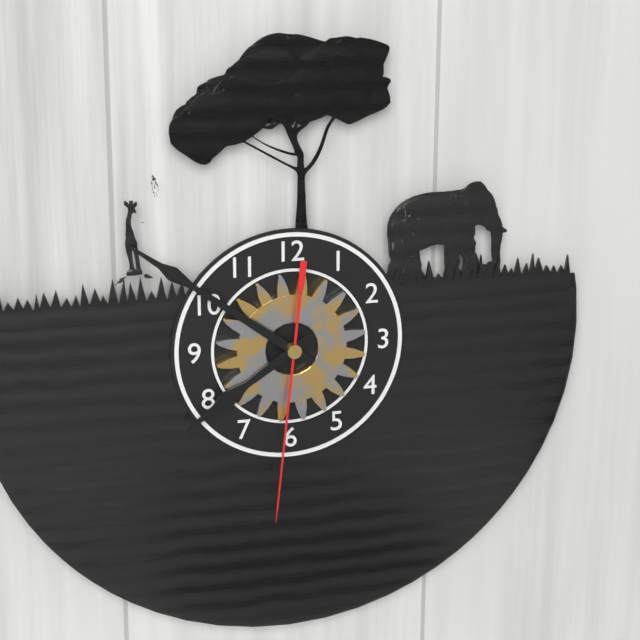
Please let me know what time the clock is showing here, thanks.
7:51:31
